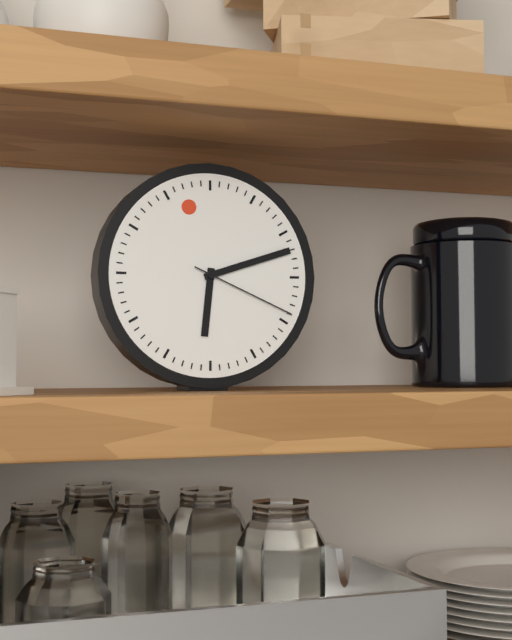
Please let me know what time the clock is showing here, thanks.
6:12:19
